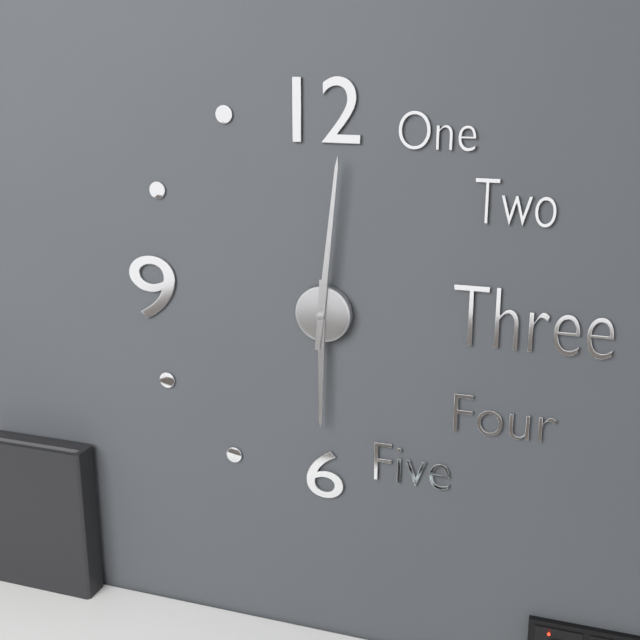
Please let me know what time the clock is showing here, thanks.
6:01
